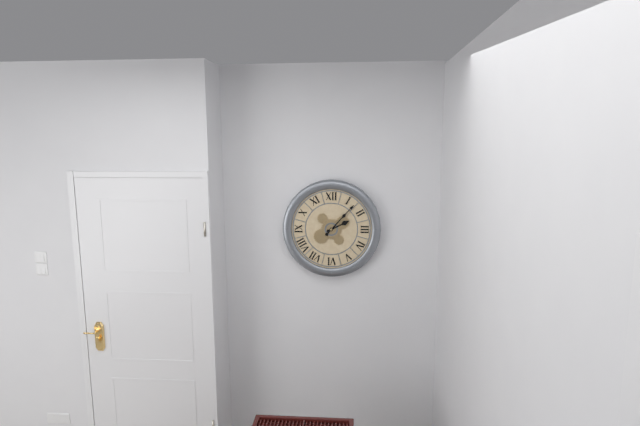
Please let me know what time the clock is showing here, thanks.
2:07
